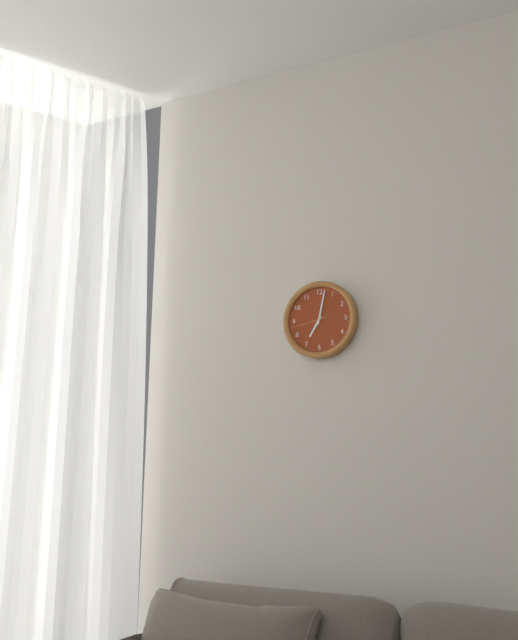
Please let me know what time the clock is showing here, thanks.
7:02
